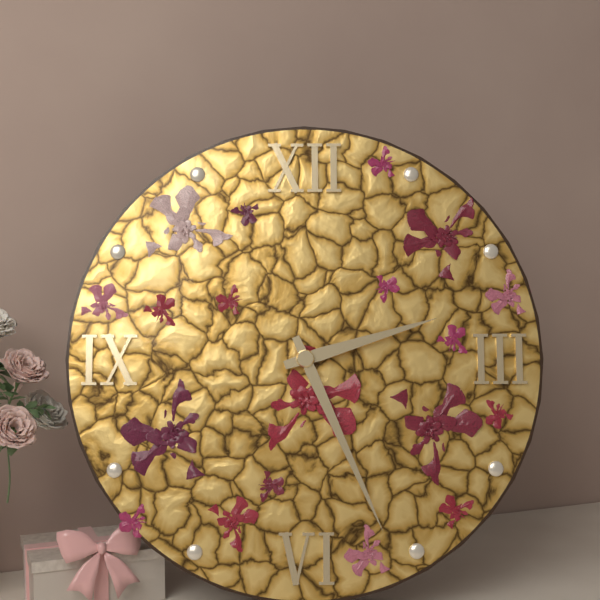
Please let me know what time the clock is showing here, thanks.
2:26
